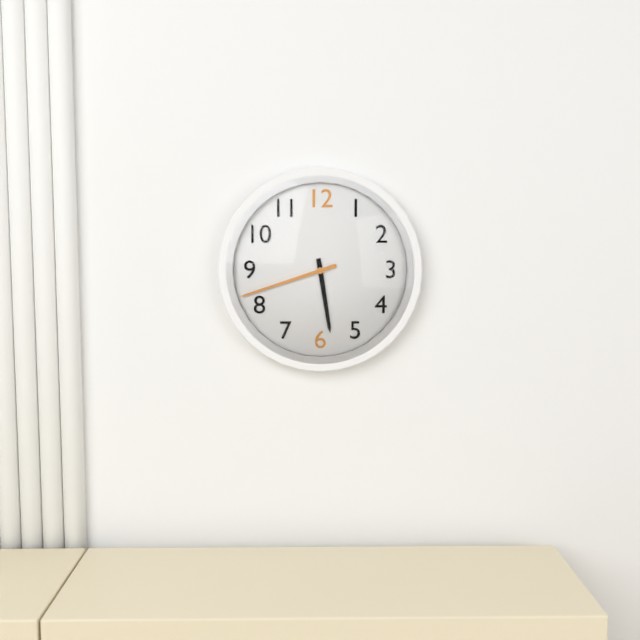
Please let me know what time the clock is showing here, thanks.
5:42
